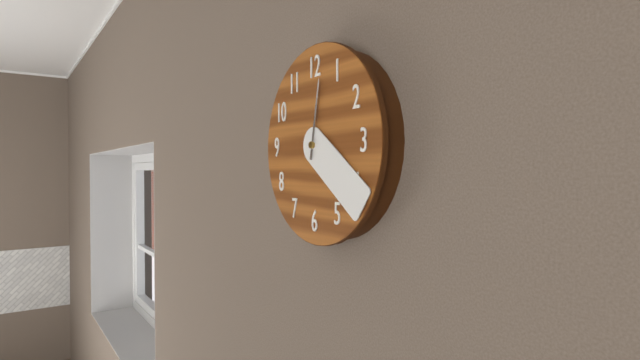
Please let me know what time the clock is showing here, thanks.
12:21
